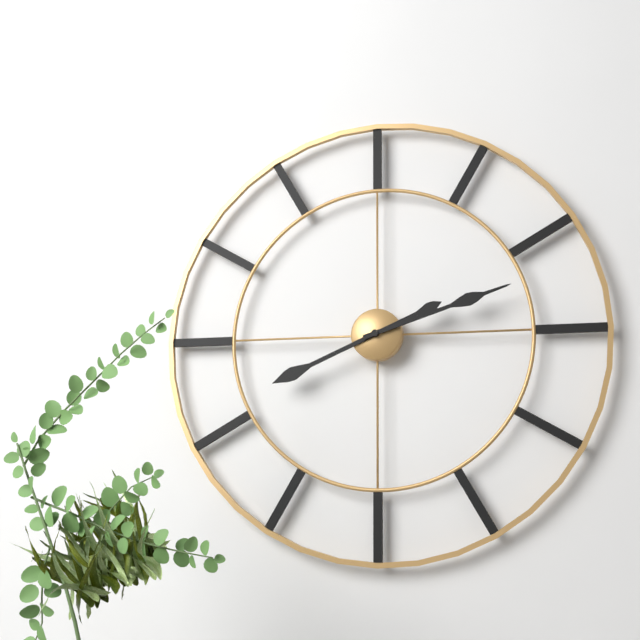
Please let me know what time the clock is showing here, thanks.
8:12
